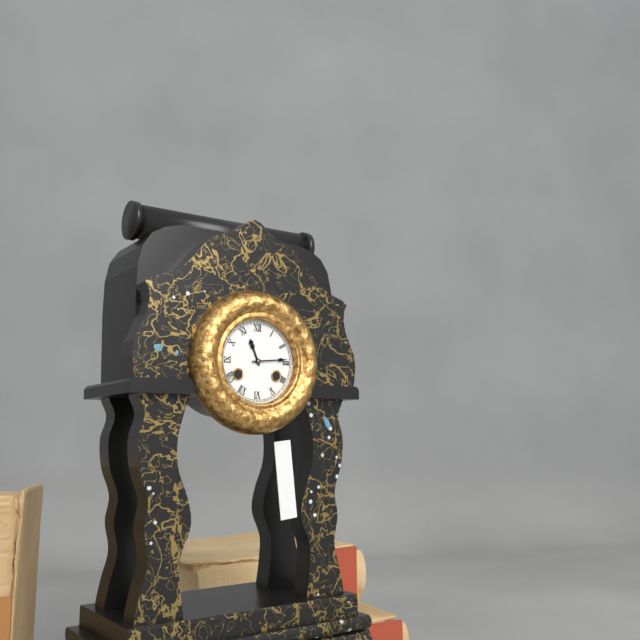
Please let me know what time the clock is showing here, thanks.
11:14
